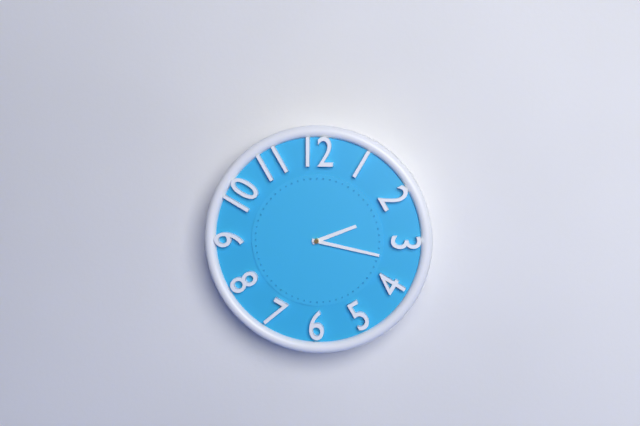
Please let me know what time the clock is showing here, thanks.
2:17
